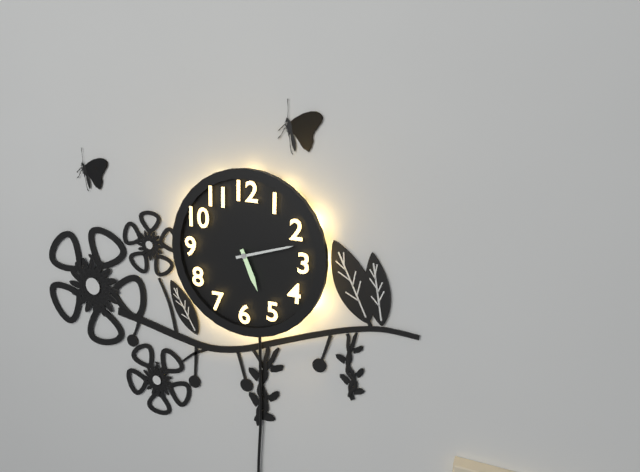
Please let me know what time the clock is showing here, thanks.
5:12
